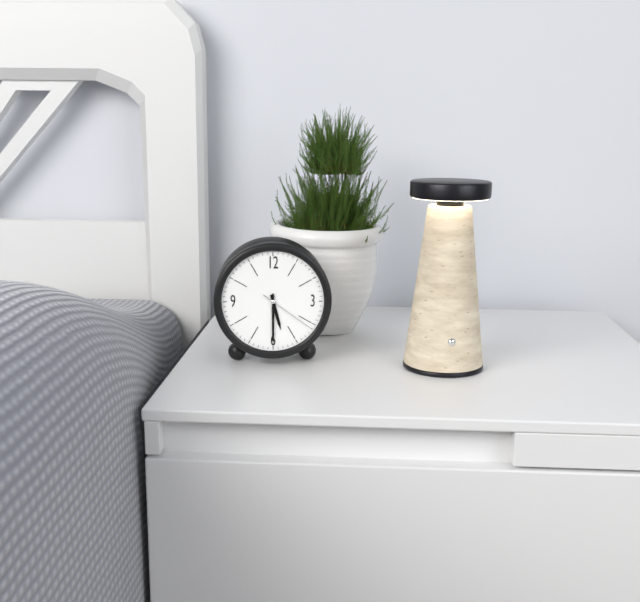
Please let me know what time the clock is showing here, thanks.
5:30:21
